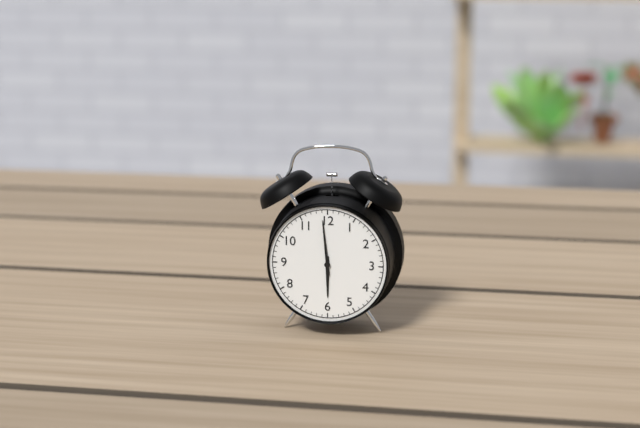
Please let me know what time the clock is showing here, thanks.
5:59
